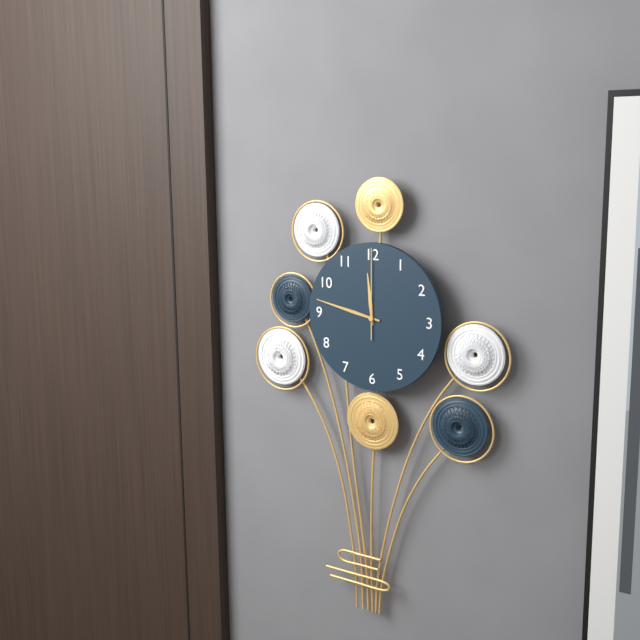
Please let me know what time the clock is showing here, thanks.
11:47:00
